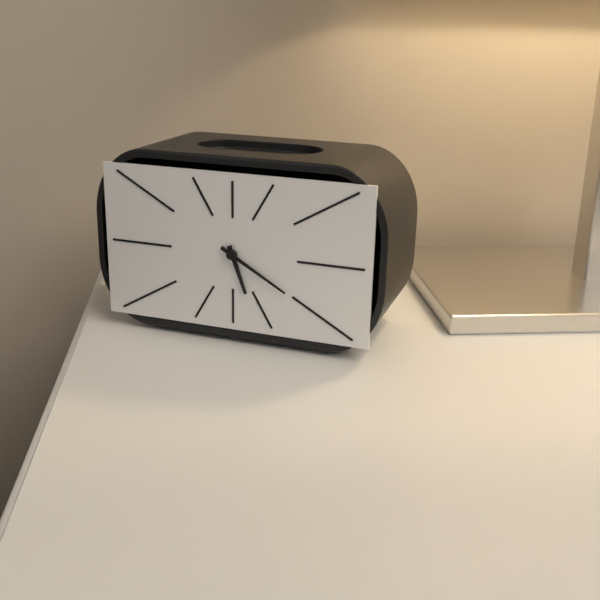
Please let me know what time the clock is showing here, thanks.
5:20
